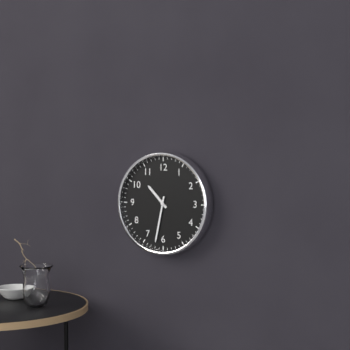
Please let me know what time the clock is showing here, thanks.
10:32
